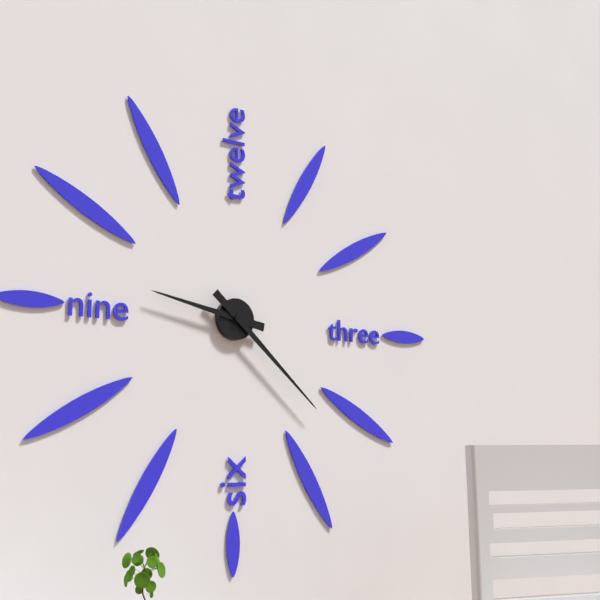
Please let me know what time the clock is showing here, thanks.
9:22
